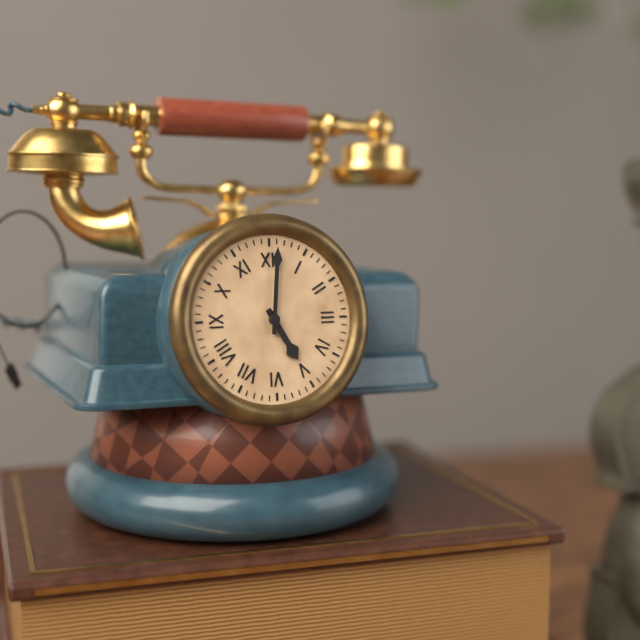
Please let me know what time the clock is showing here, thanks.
5:01
